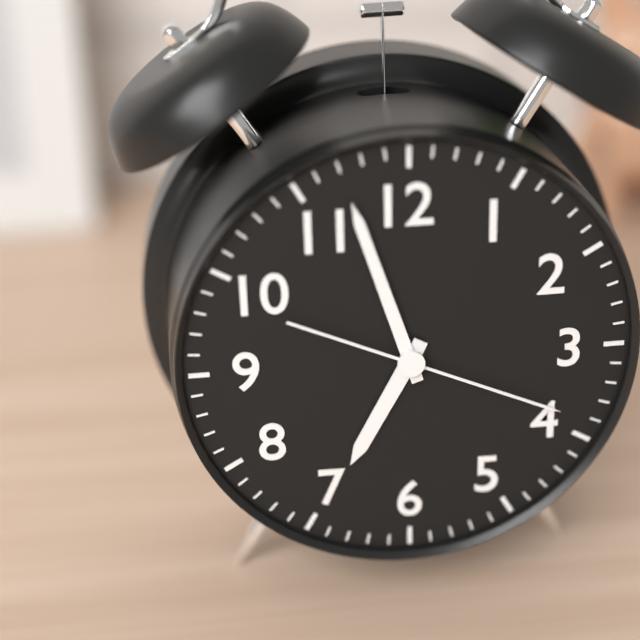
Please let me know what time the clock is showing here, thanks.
6:57:19
